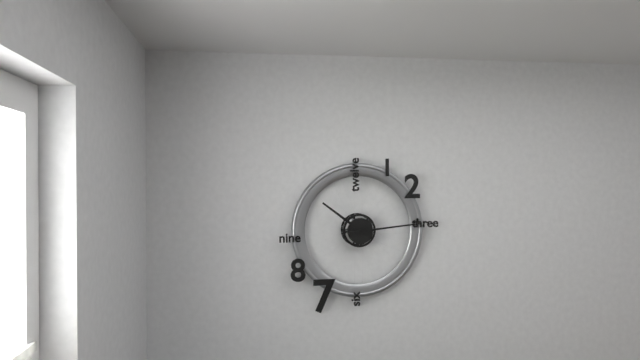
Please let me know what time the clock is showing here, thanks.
10:14
